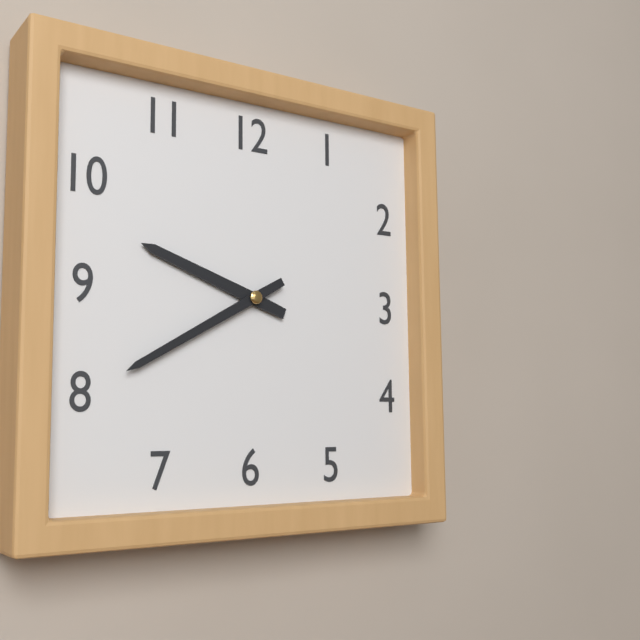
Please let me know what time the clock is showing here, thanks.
9:40
